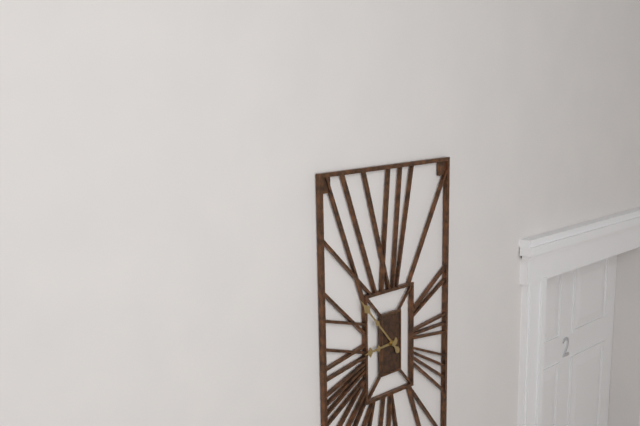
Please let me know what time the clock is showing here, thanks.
8:53
